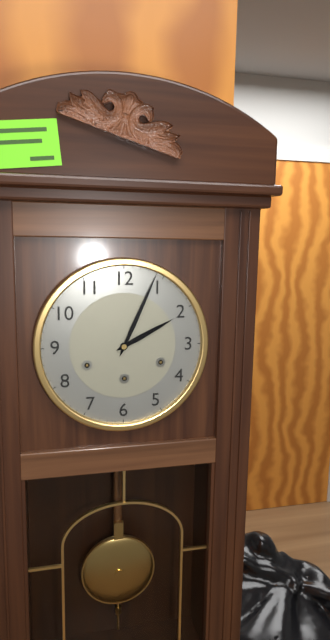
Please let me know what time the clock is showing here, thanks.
2:04
